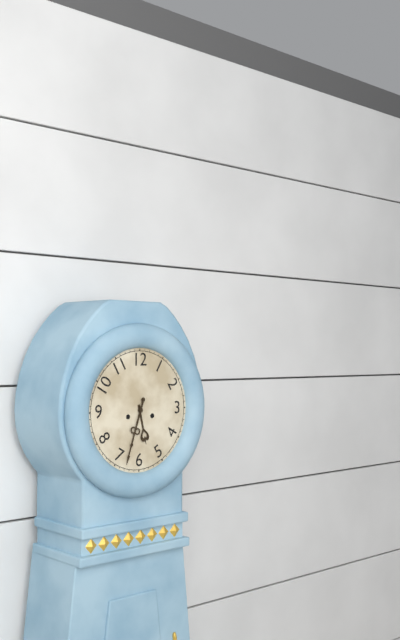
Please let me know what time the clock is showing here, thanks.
5:33
